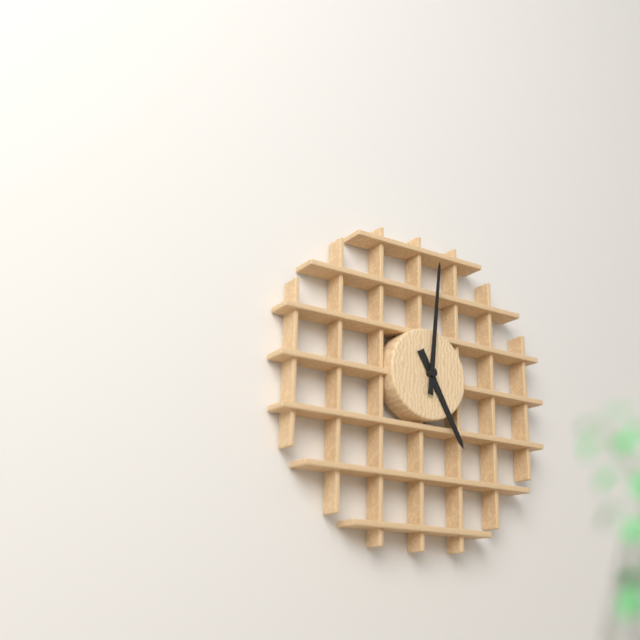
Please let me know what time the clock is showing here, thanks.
5:01
